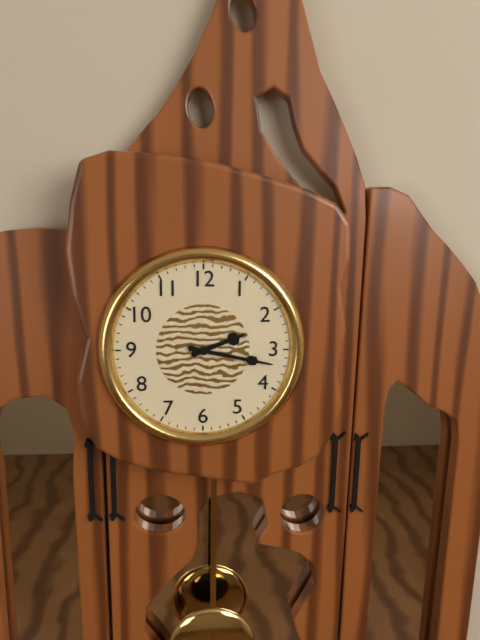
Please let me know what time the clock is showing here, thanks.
2:17
